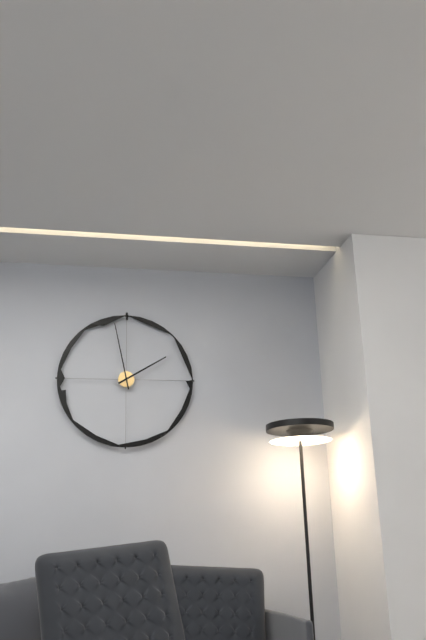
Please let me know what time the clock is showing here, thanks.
1:58
